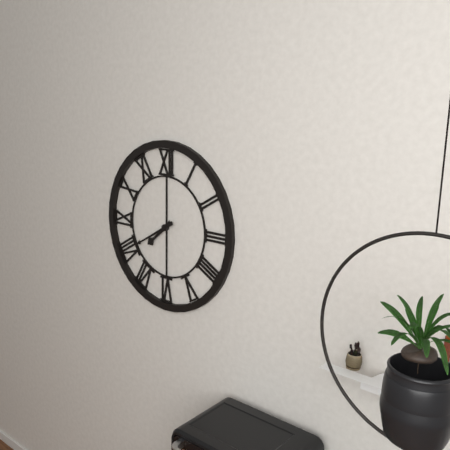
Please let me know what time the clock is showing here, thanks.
7:40
